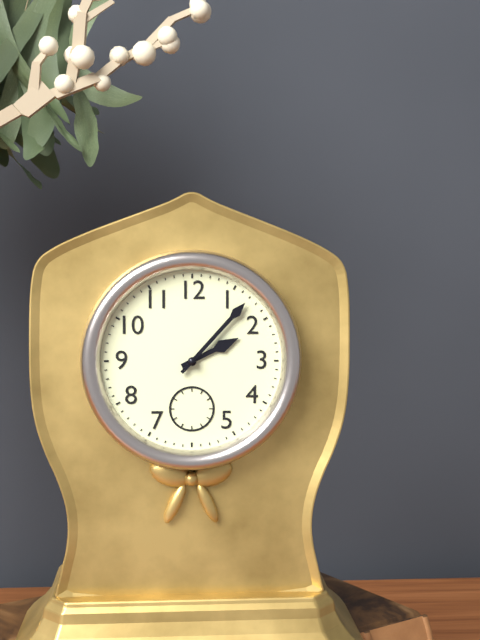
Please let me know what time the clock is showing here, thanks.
2:07
